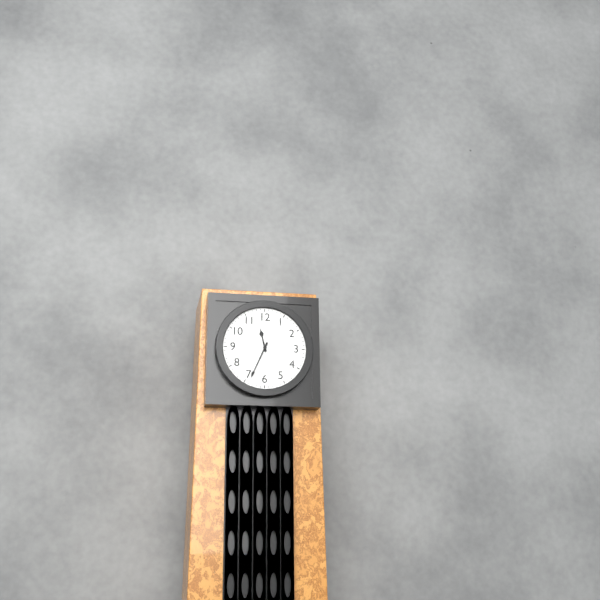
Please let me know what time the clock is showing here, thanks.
11:34
